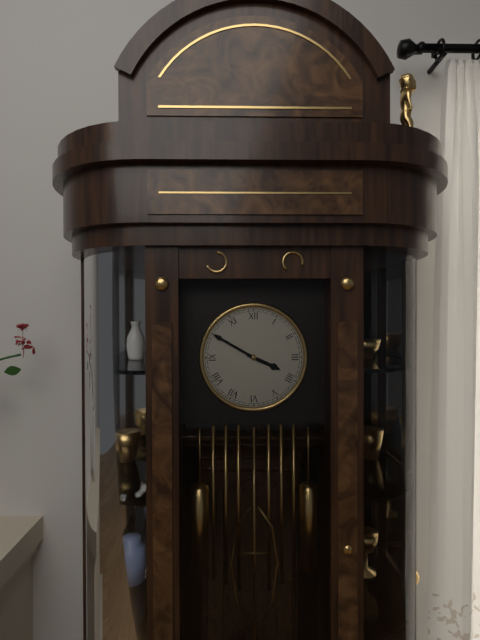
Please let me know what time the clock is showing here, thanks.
3:50
